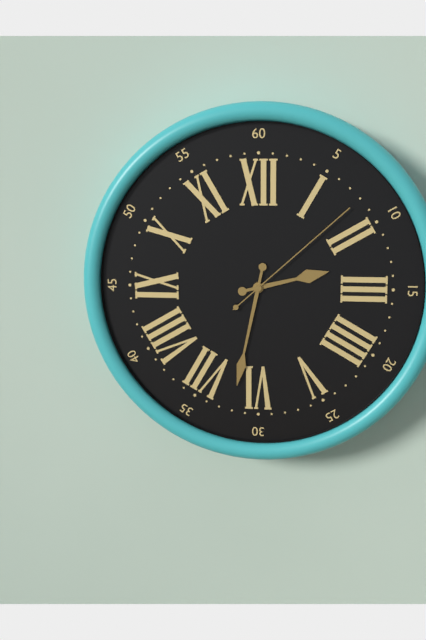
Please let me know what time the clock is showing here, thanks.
2:32:08
